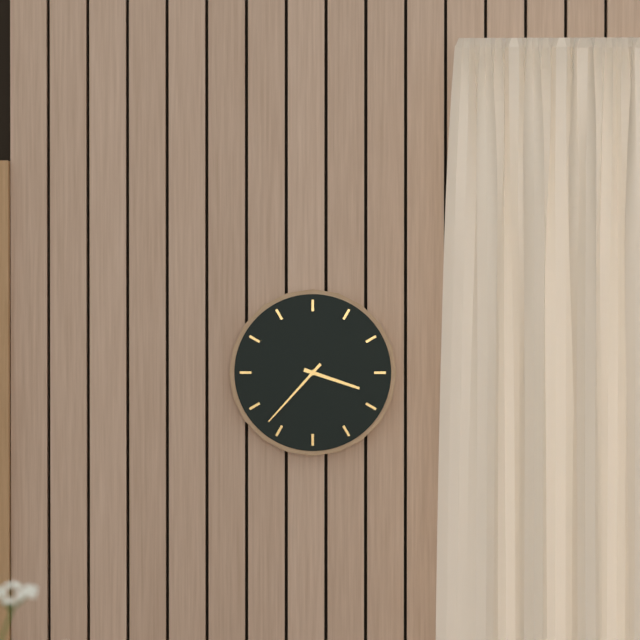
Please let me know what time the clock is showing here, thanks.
3:37
